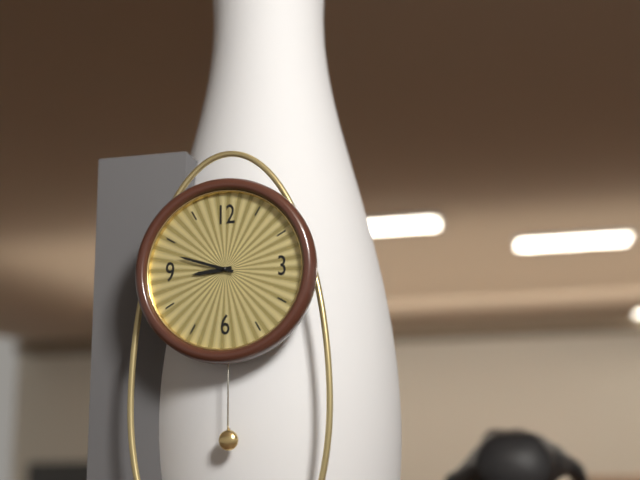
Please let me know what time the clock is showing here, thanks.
8:48
